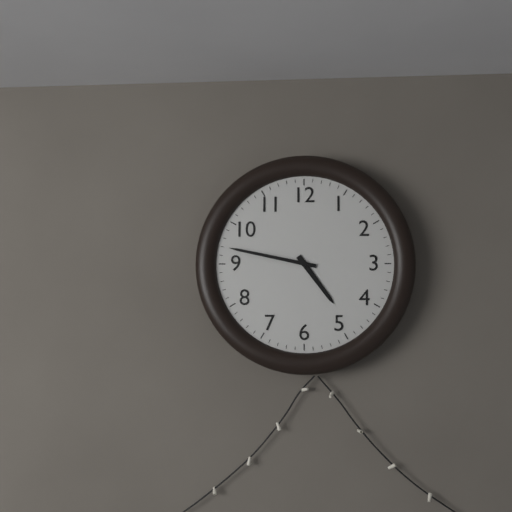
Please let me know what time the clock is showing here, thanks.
4:47
